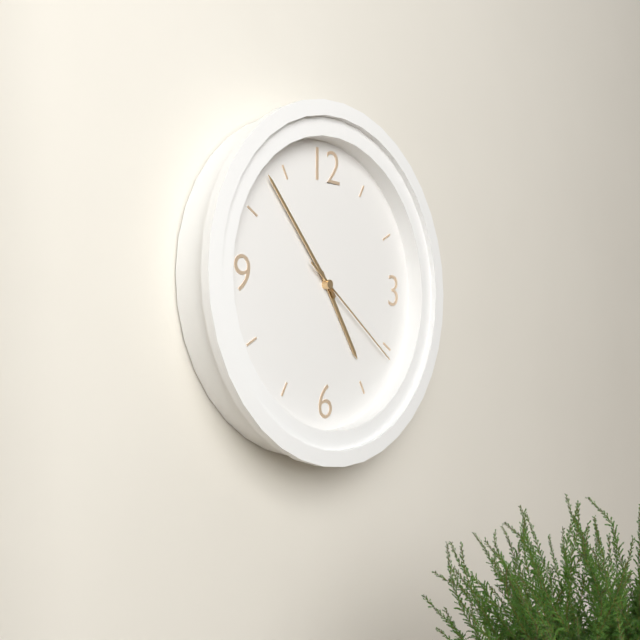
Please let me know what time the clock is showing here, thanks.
4:53:21
